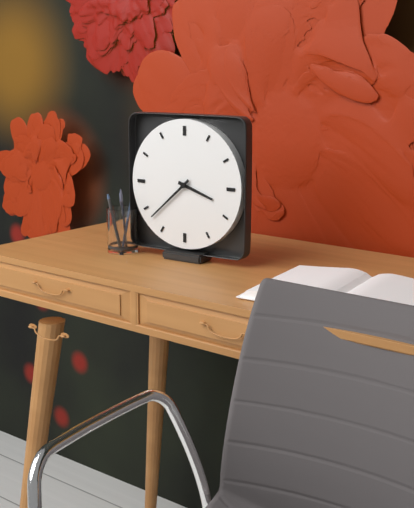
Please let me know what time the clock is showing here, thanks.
3:38
